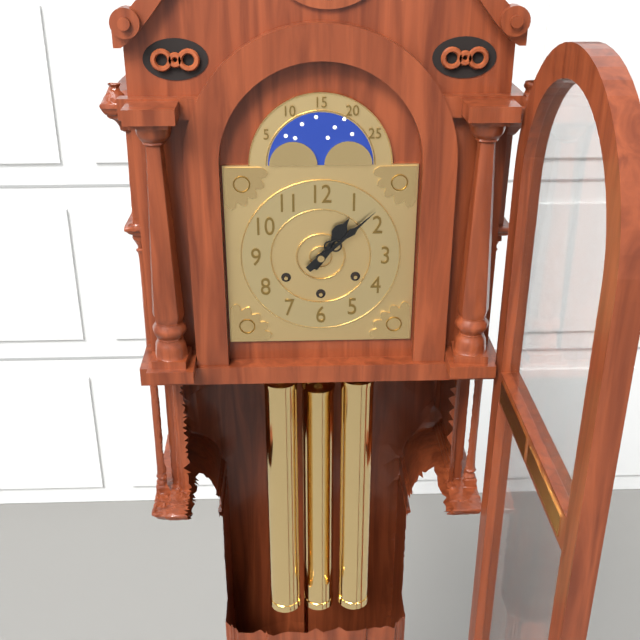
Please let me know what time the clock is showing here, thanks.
1:08
